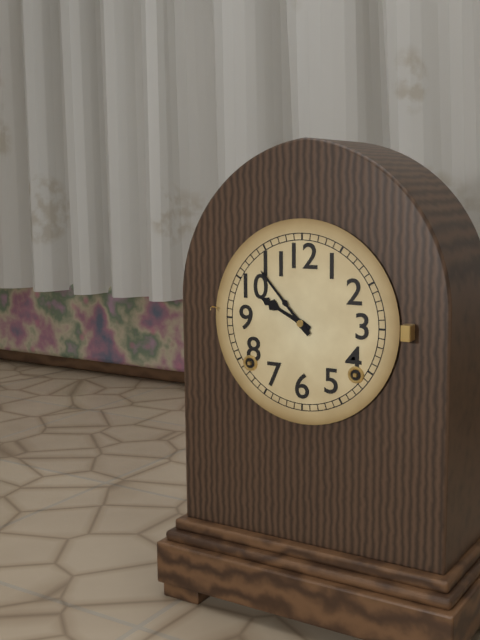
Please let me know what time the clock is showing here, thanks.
9:53
